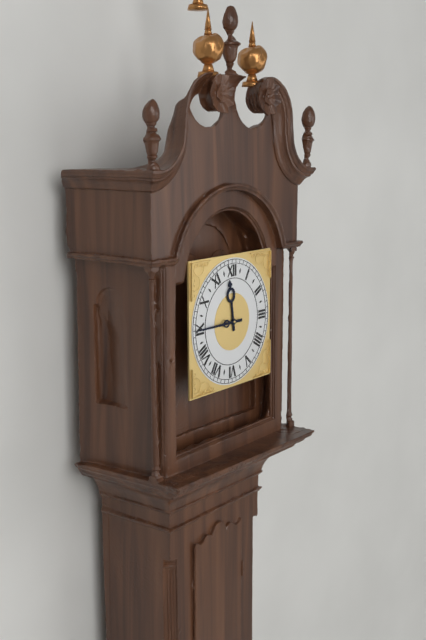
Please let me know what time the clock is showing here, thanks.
11:45
